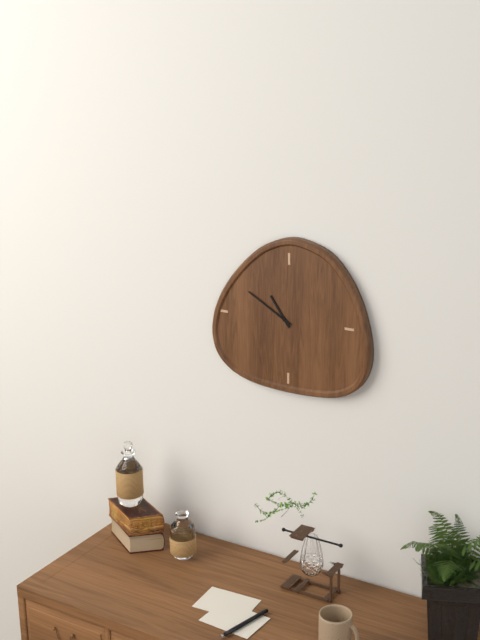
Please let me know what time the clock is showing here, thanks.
10:50
